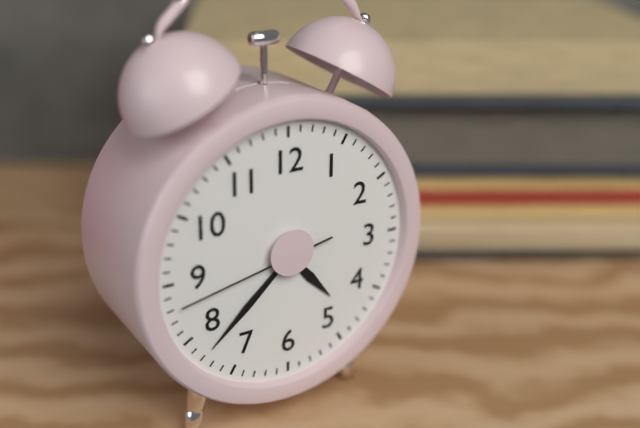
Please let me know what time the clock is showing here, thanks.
4:38:43
